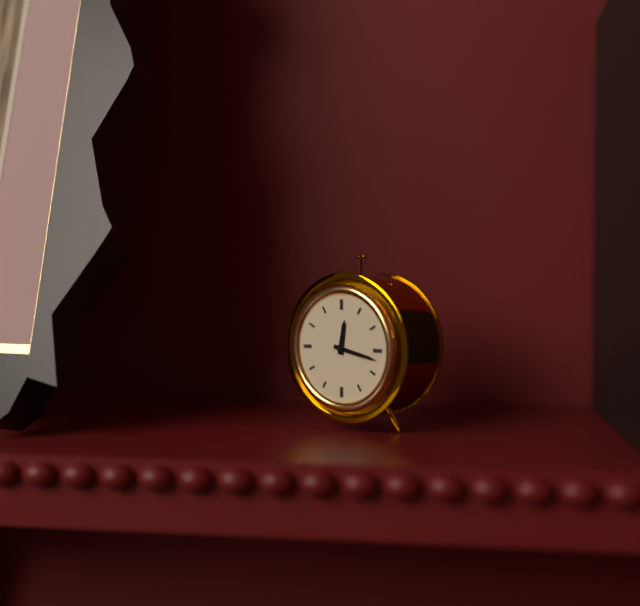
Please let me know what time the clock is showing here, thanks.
12:17
